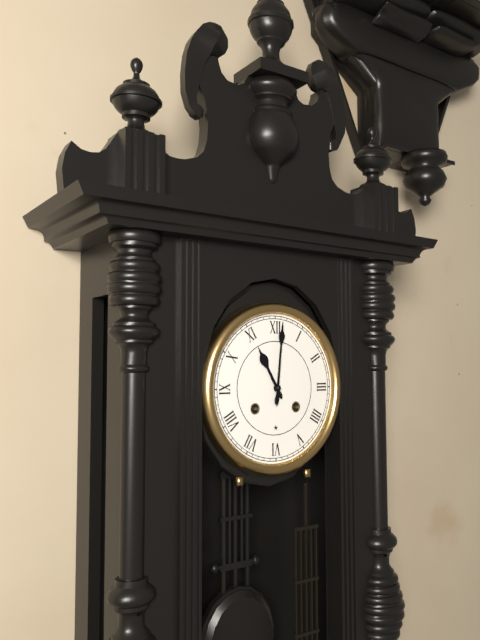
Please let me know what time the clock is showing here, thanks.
11:01
